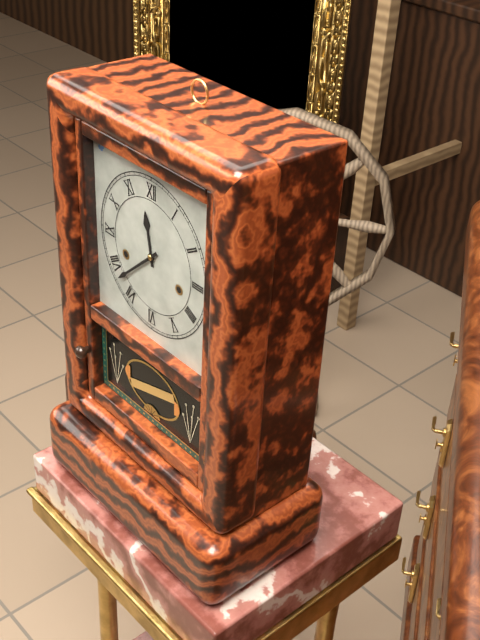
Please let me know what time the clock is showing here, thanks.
11:38
